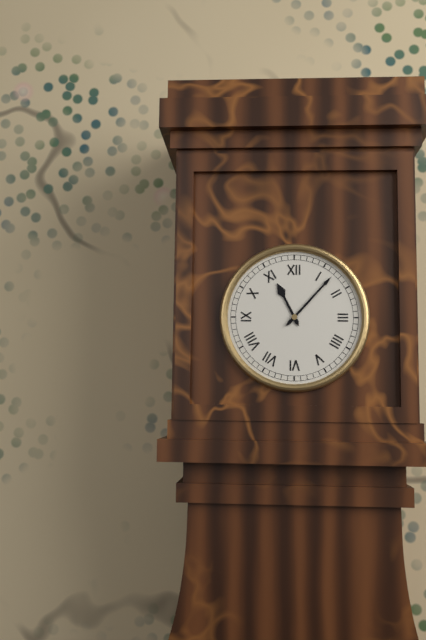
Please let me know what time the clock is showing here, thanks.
11:07
